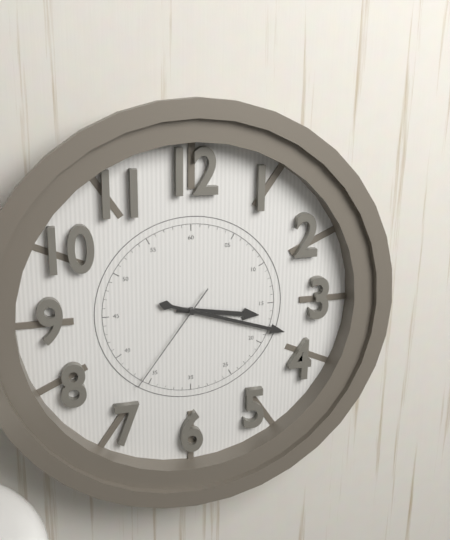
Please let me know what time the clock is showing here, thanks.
3:18:36
